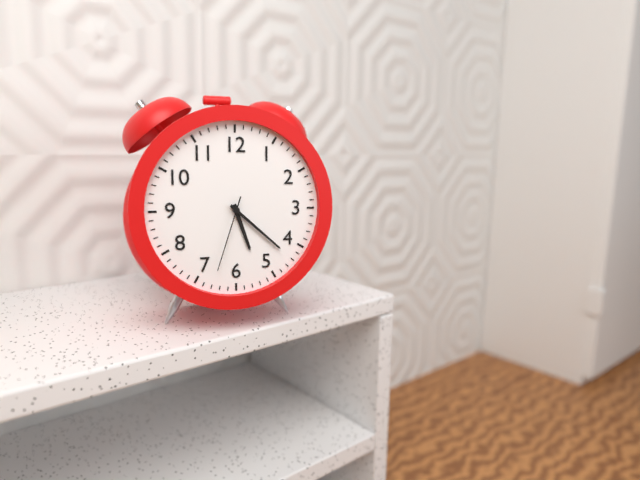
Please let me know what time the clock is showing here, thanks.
5:22:33
